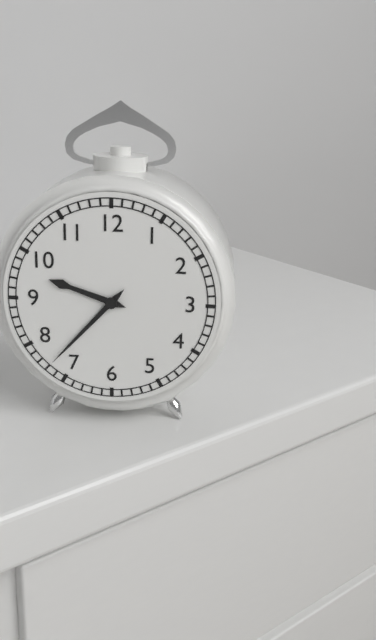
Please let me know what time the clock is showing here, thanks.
9:37
